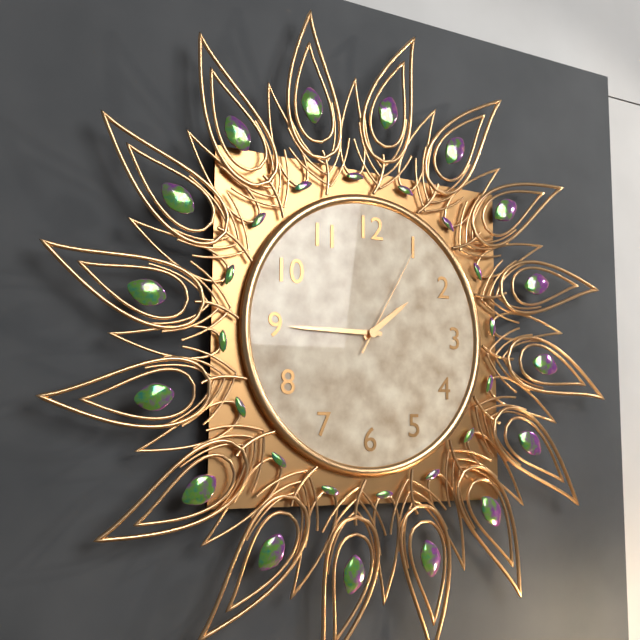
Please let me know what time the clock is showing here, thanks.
1:45:05
